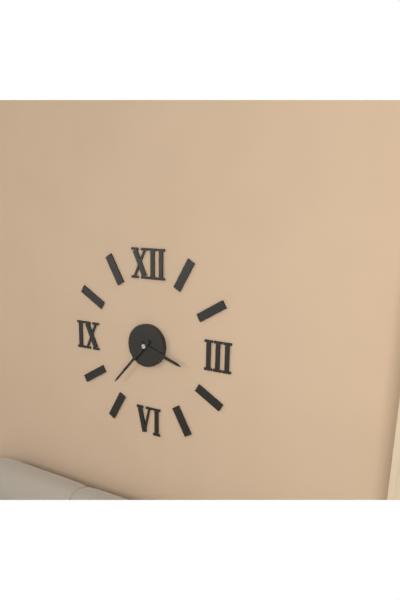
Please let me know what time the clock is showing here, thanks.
3:37
